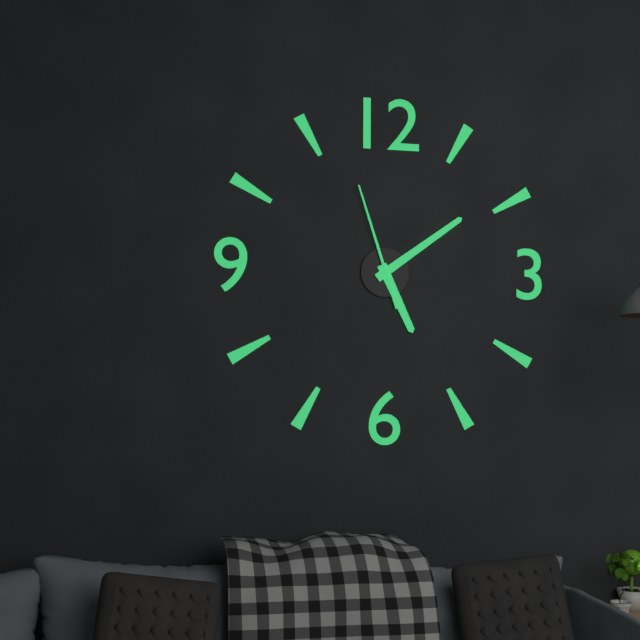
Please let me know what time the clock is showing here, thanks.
5:09:57
